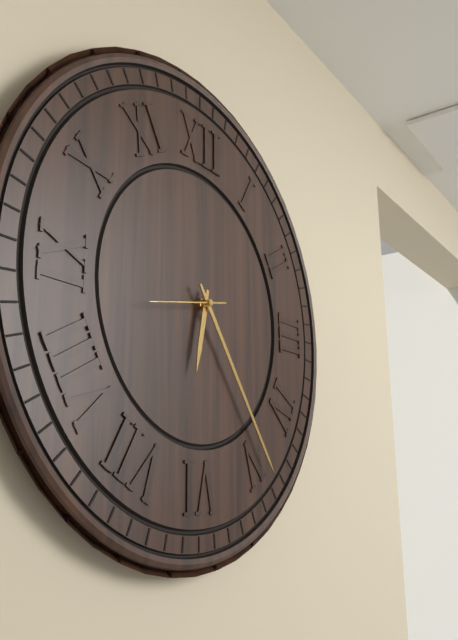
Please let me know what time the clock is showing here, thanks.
6:24:43
